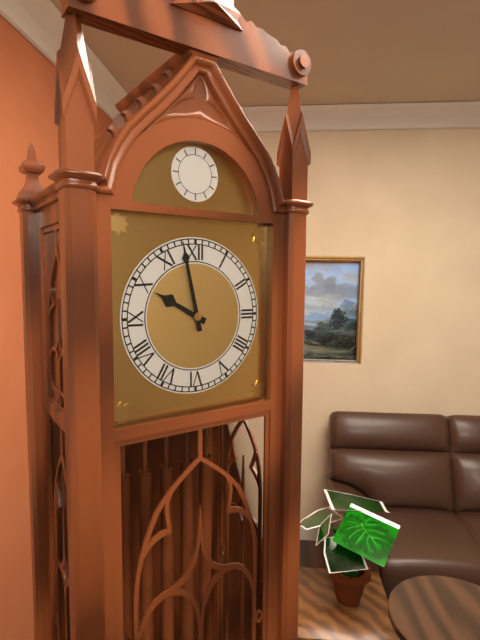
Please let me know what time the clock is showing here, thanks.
9:58
